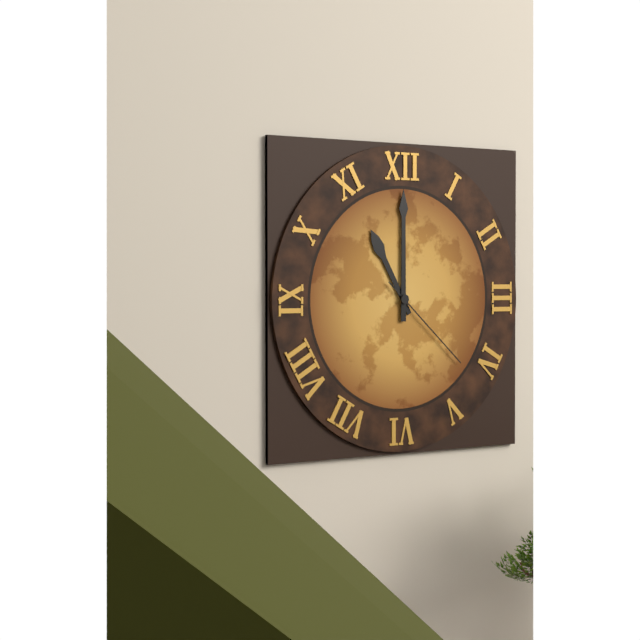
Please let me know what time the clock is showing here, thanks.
11:00:22
